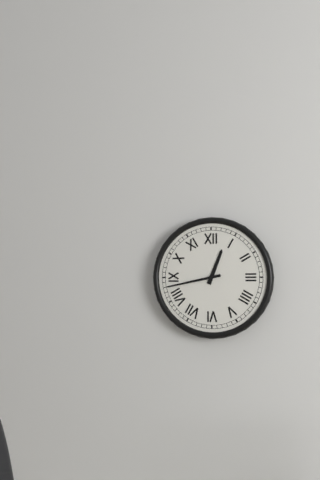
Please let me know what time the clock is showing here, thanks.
12:43
